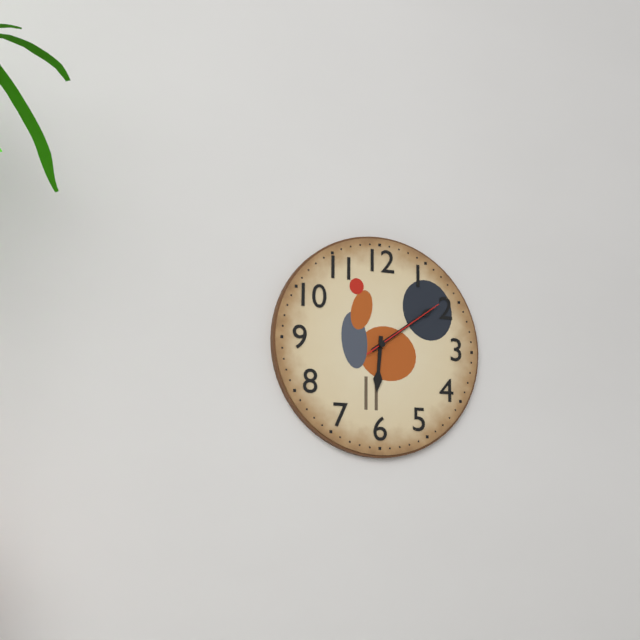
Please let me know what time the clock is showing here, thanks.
6:09:09
